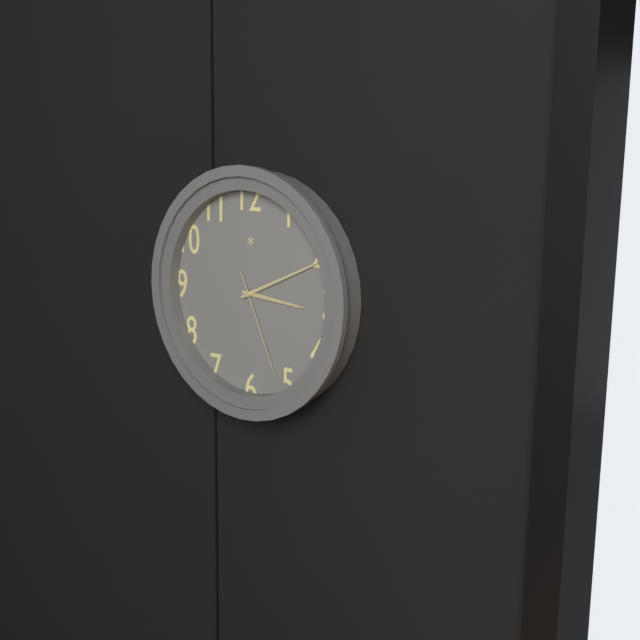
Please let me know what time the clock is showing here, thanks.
3:11:26
